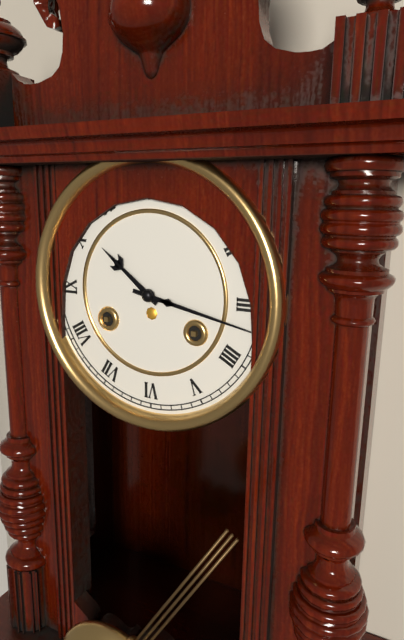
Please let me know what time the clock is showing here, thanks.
10:17
